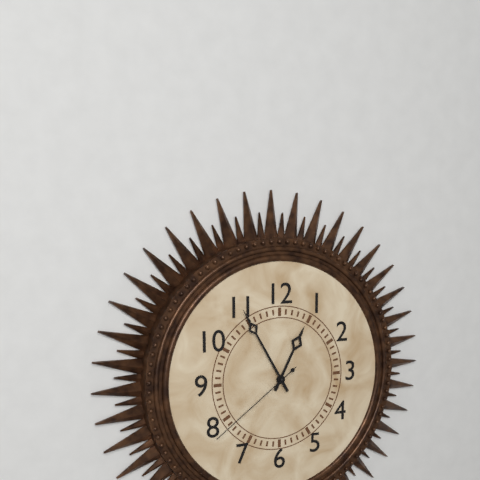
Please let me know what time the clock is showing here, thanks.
12:55:39
